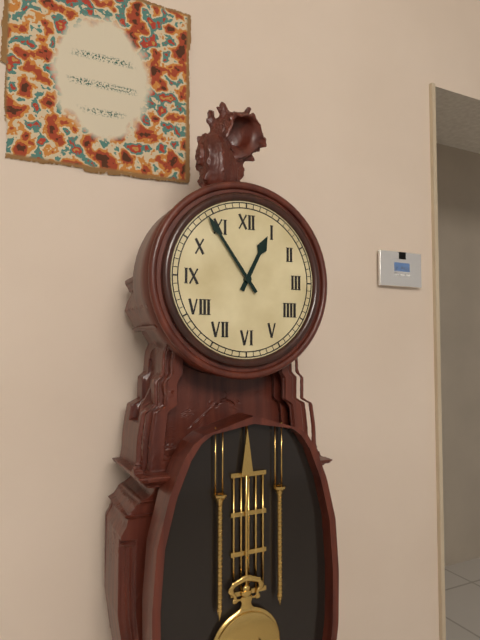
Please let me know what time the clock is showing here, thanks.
12:54
